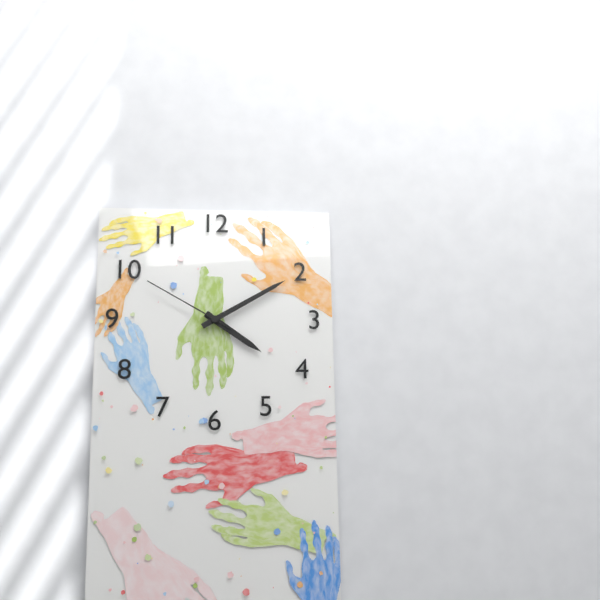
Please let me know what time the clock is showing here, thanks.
4:10:50
